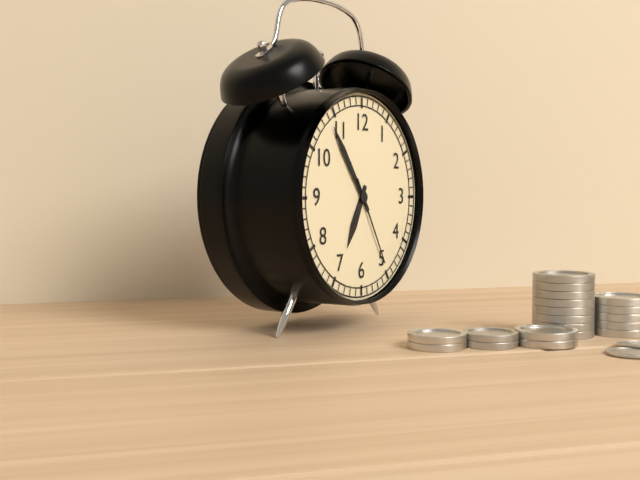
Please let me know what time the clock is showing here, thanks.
6:54:25
